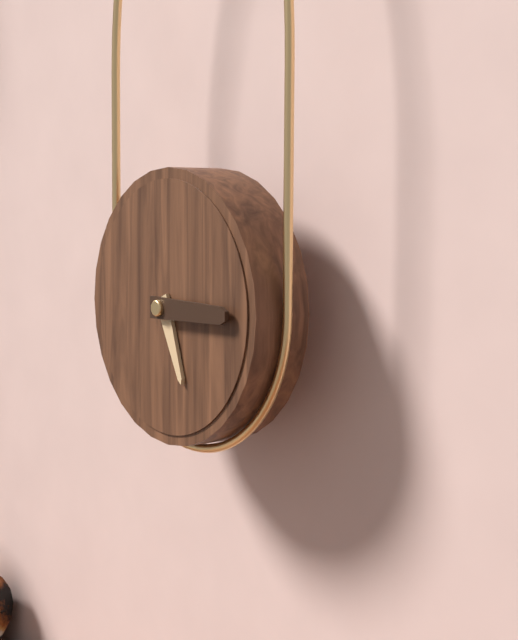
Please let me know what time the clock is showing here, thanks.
5:15
